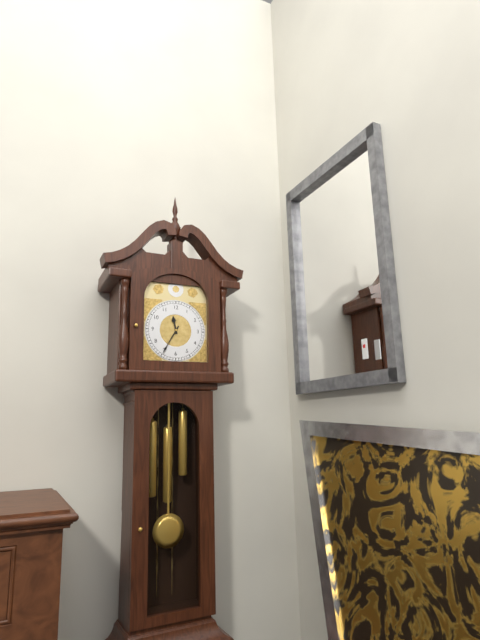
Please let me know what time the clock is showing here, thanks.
11:35
